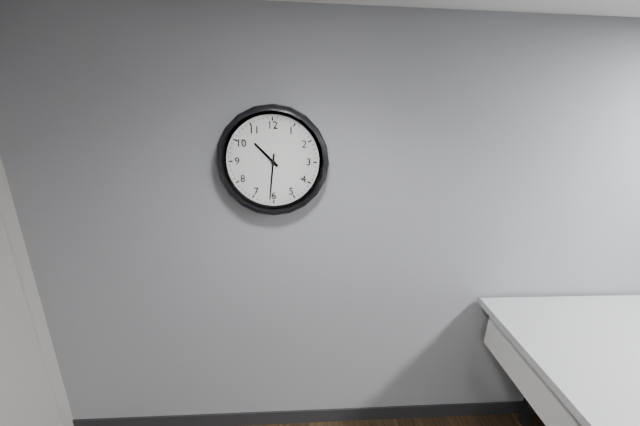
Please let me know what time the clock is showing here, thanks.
10:31
